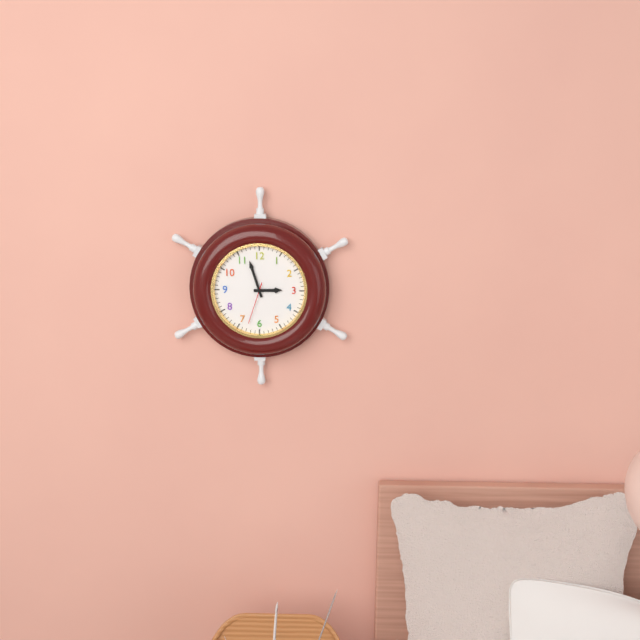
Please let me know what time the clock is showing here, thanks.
2:57
